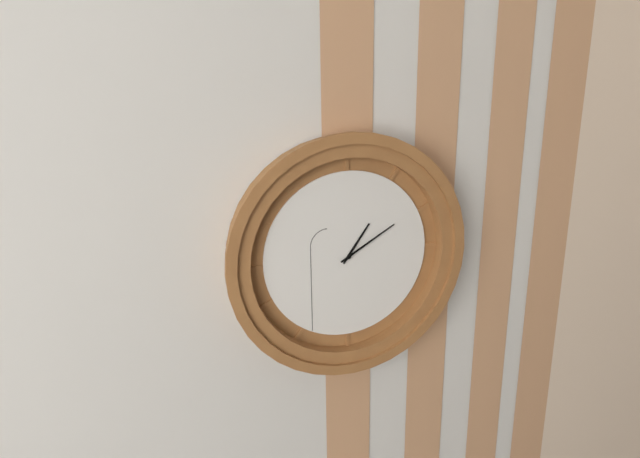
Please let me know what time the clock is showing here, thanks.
1:10
